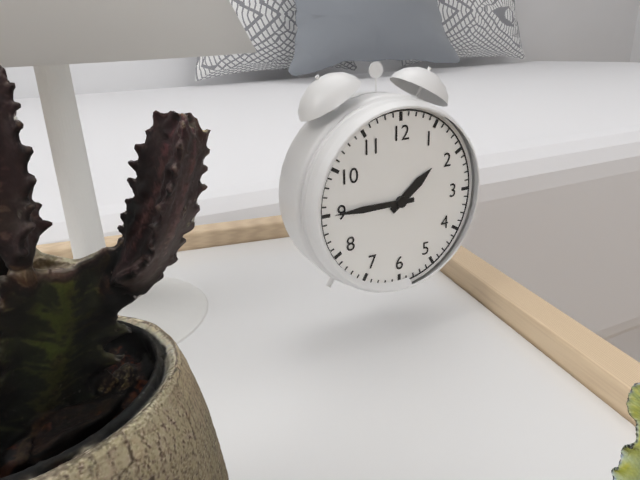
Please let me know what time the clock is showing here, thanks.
1:45
